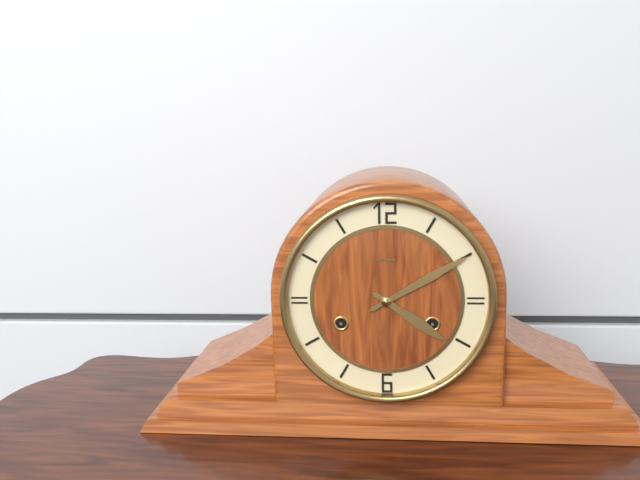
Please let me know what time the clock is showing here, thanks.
4:10
